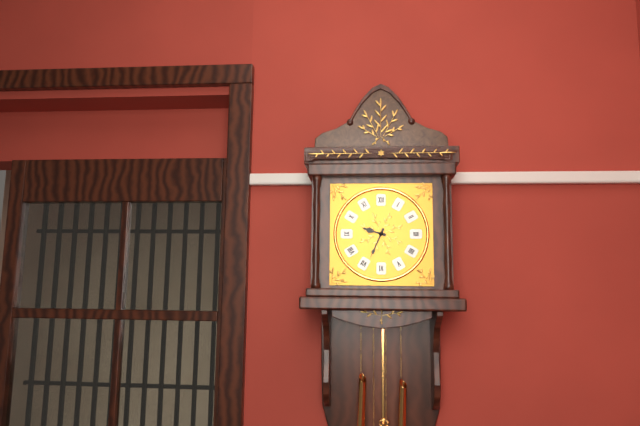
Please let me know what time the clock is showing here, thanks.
9:34
